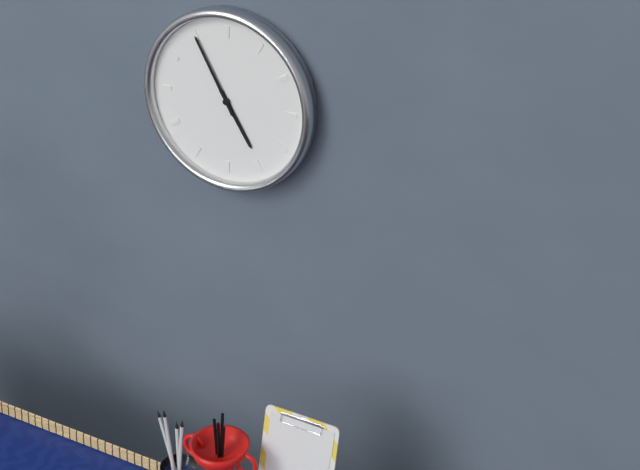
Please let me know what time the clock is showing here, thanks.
4:55
